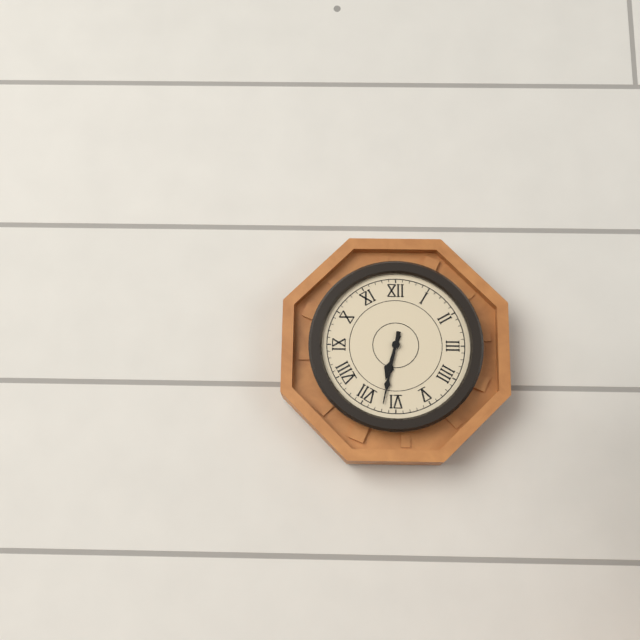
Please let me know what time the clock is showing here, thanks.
6:32
